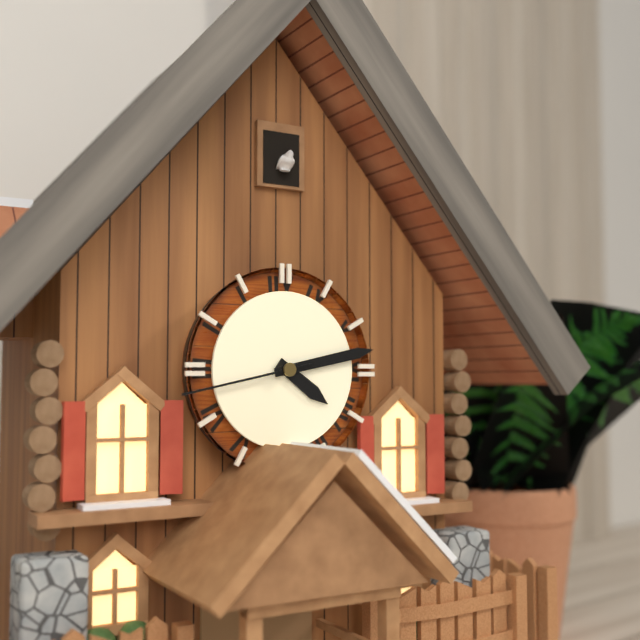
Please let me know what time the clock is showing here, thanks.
4:13:43
